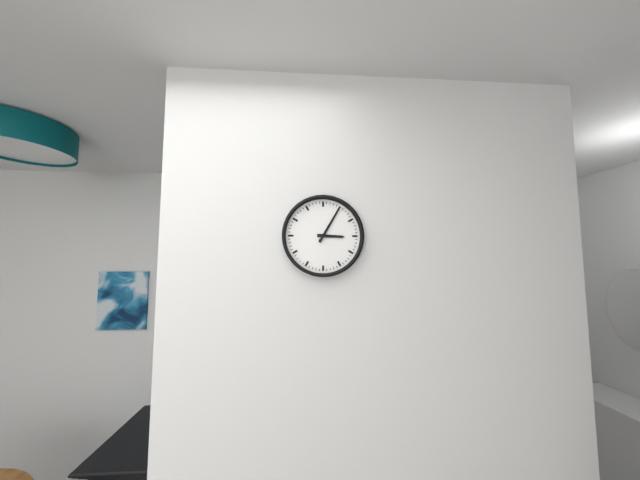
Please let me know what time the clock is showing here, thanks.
3:05
